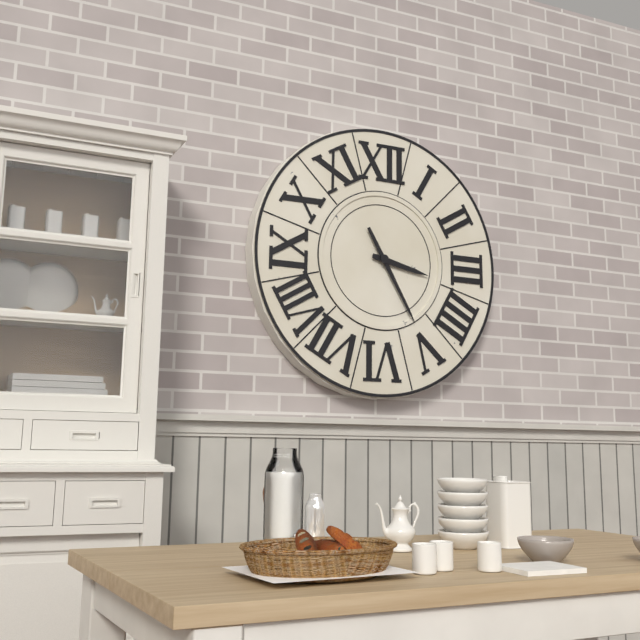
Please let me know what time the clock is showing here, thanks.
3:25
